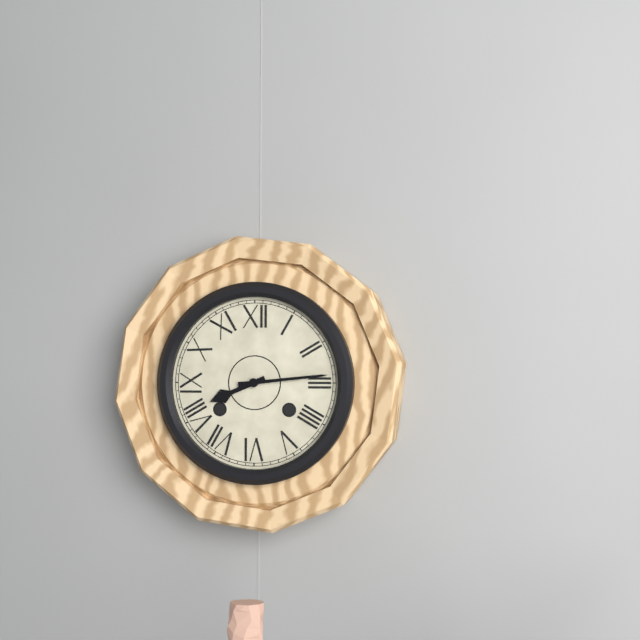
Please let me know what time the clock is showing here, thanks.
8:14
